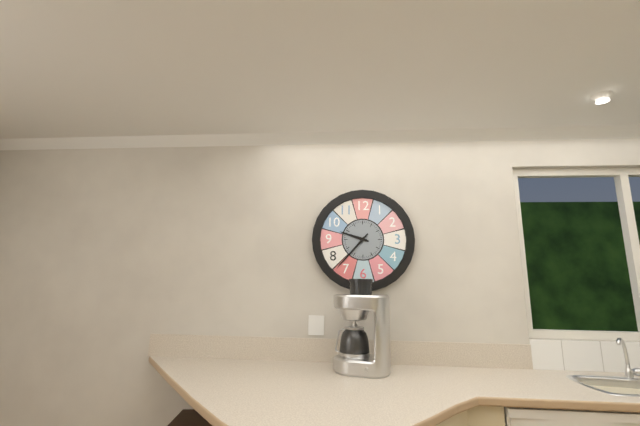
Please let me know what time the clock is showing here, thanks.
9:37
